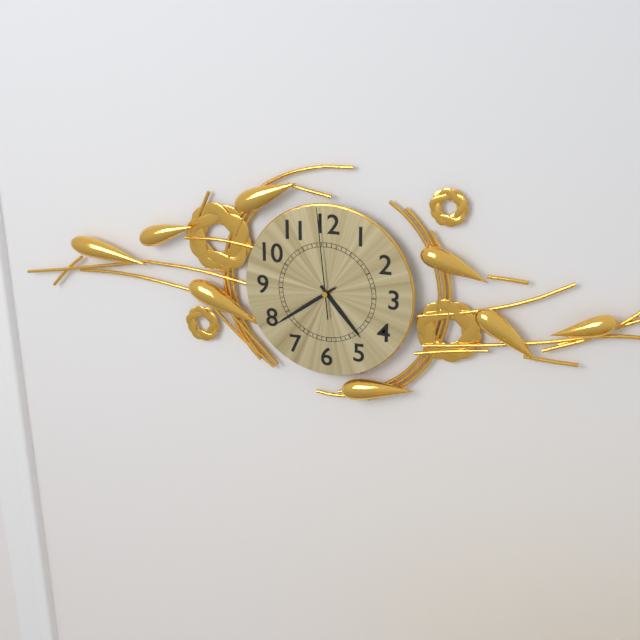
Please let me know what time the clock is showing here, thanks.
4:39:59
